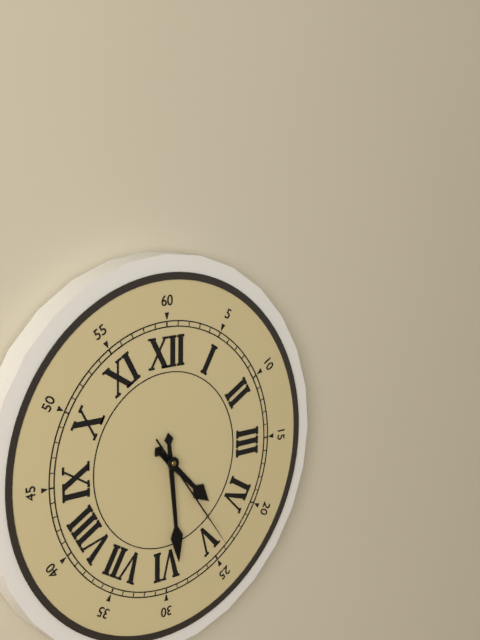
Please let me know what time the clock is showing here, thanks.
4:29:24
